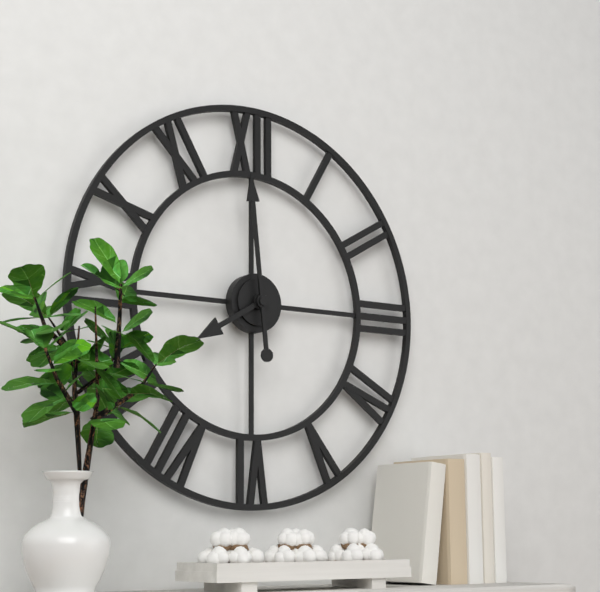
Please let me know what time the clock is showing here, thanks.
7:59
